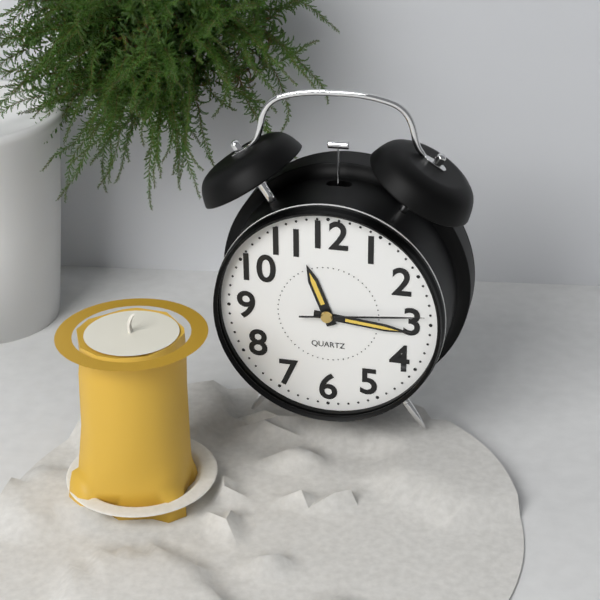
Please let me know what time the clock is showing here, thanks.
11:16:14
